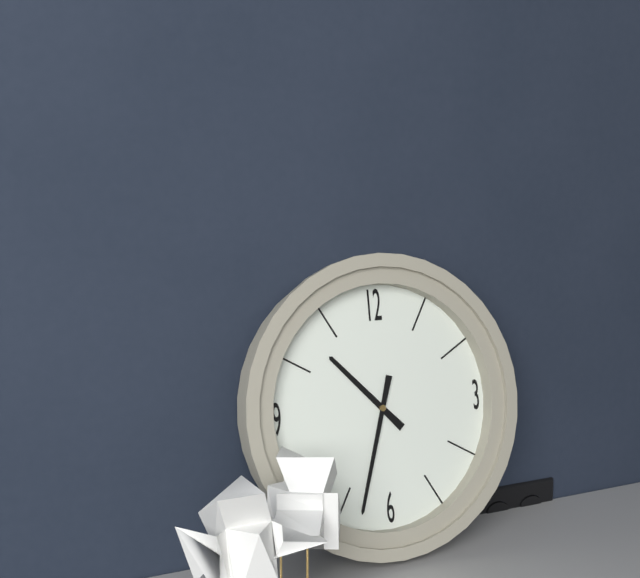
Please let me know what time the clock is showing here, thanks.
10:33
